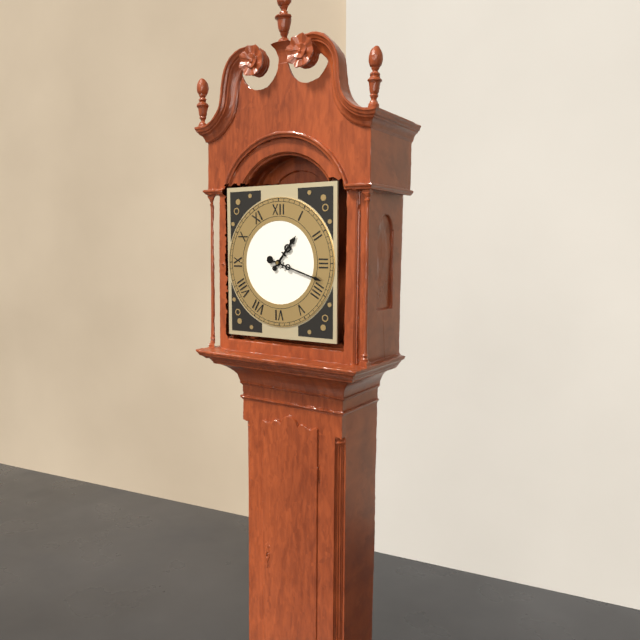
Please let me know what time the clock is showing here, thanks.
1:18
